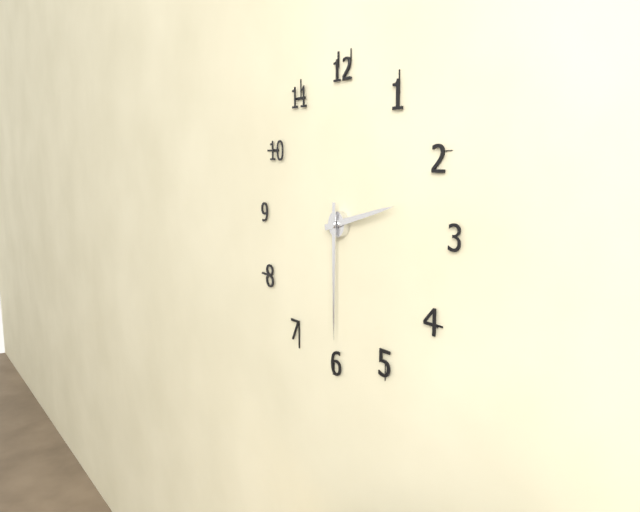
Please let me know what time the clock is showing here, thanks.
2:30
